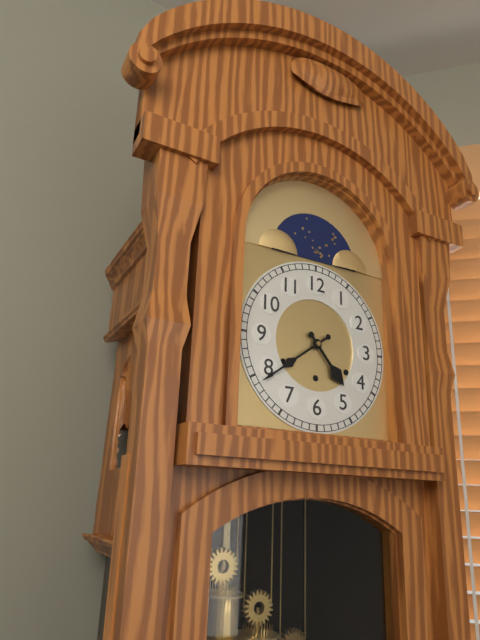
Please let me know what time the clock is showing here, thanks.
4:39
